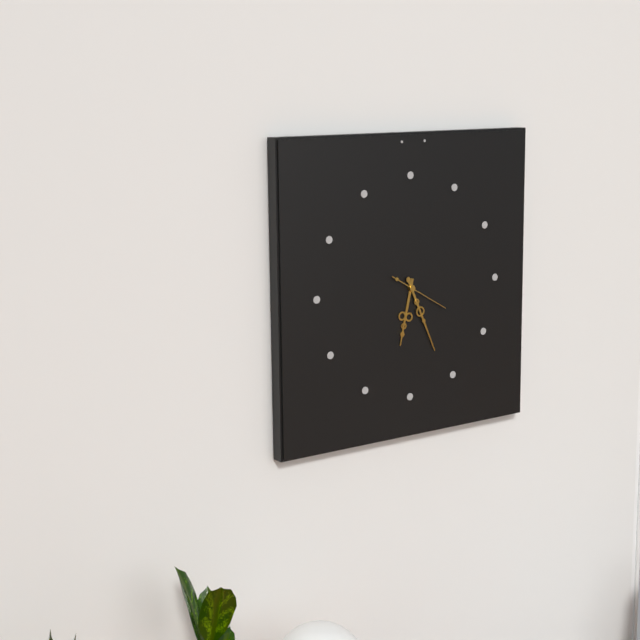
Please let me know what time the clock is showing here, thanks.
6:26:20
